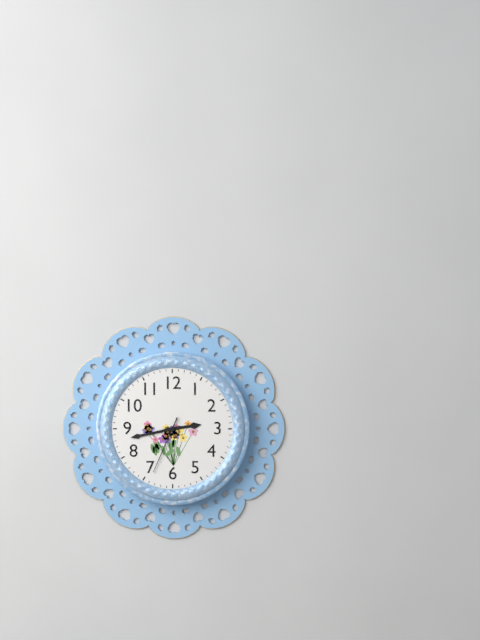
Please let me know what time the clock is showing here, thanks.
2:43:34
